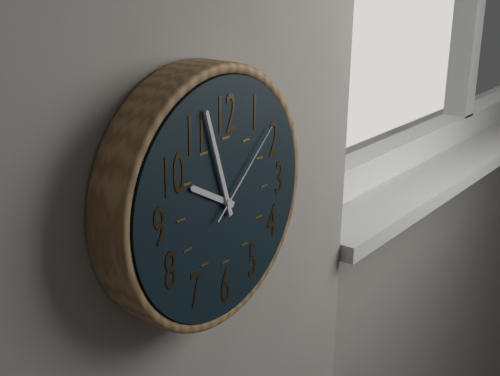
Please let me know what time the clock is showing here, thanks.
9:57:08
